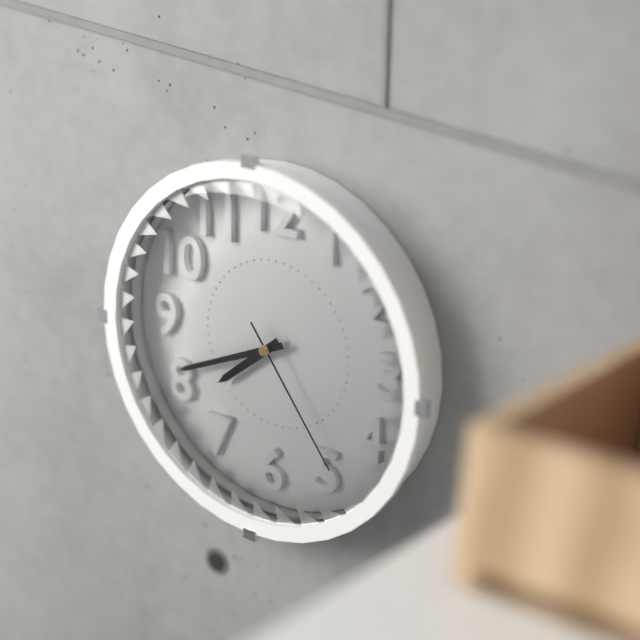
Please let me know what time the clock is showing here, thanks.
7:41:24
